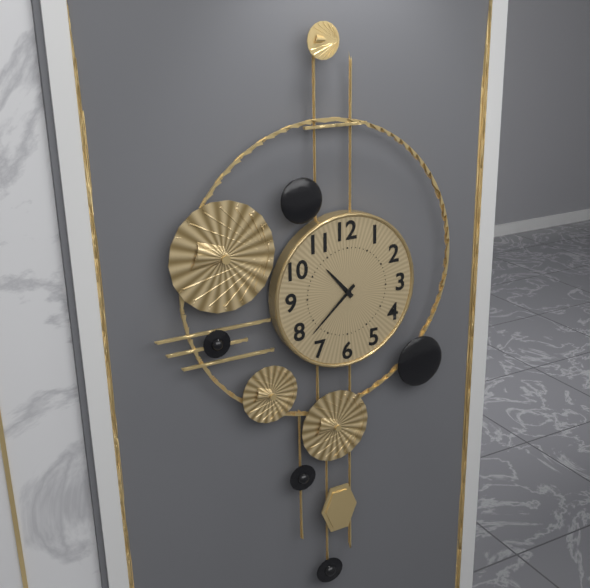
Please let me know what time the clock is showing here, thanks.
10:38
